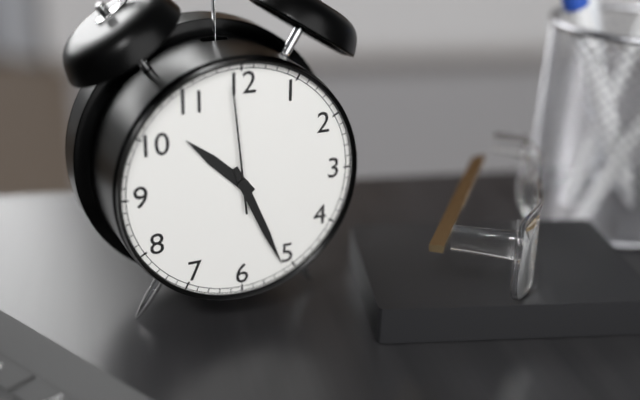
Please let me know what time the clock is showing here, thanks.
10:26:59
